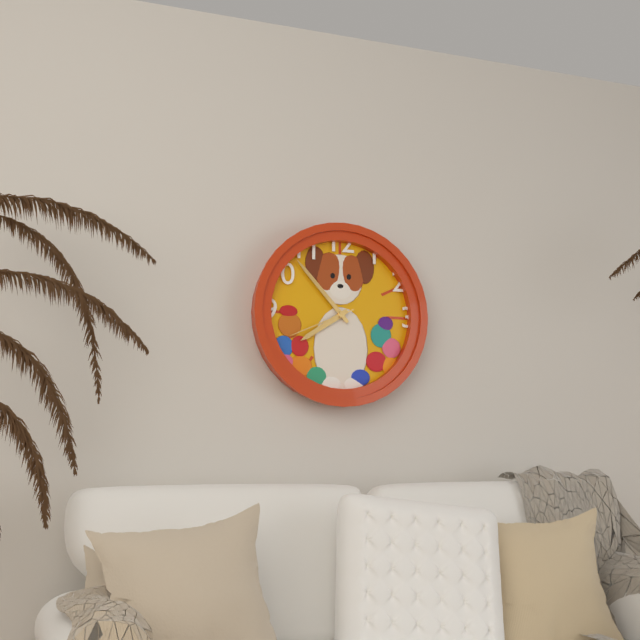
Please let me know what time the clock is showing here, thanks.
7:53:41
